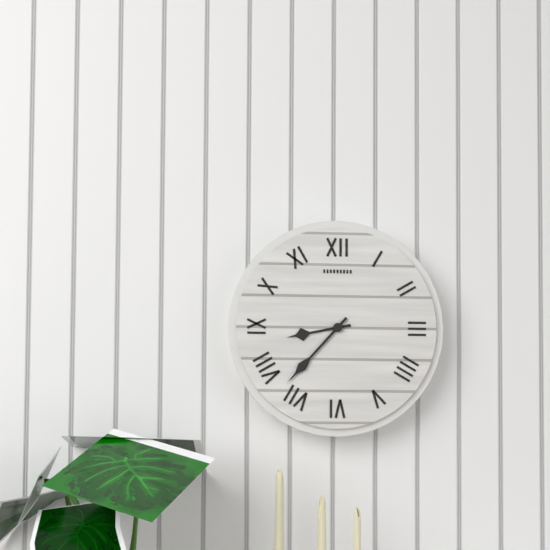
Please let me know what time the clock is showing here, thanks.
8:37
